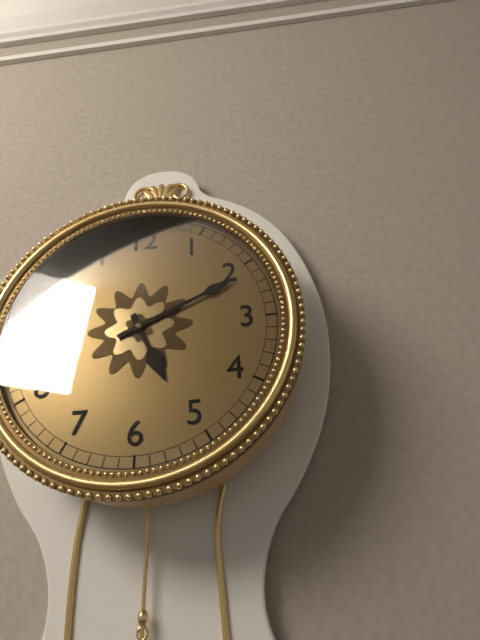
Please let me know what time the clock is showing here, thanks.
5:11
